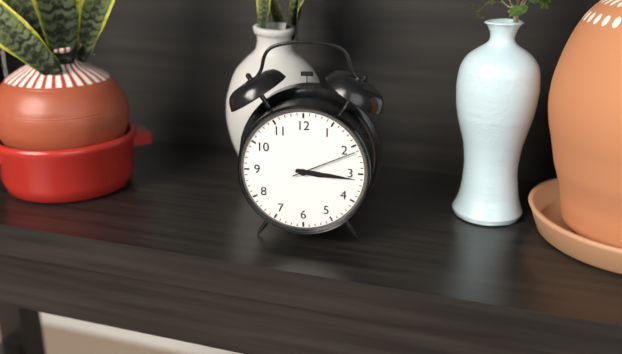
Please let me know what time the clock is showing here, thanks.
3:16:11
